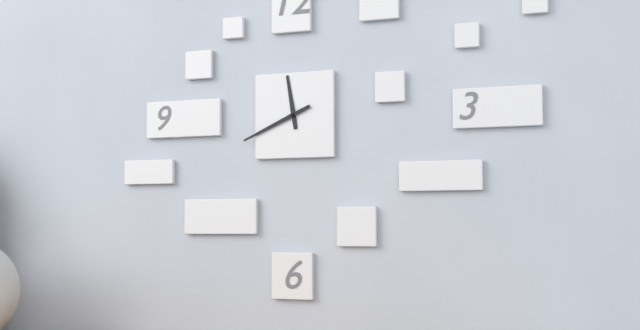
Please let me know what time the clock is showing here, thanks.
11:41
